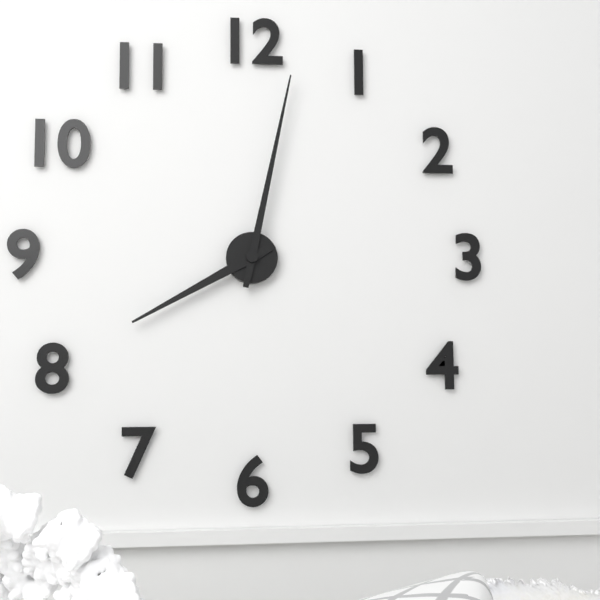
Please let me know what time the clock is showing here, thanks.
8:02
